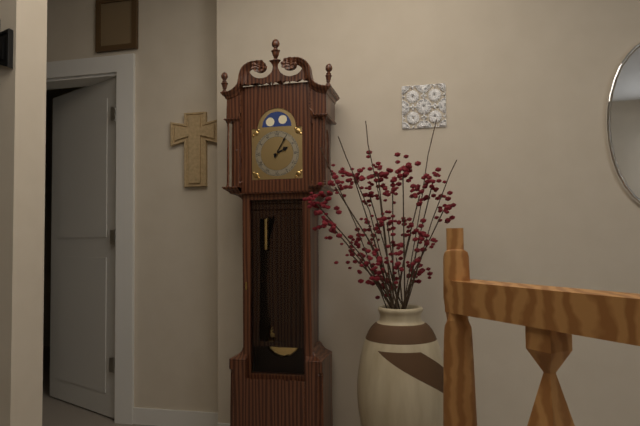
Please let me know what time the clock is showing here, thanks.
2:05
